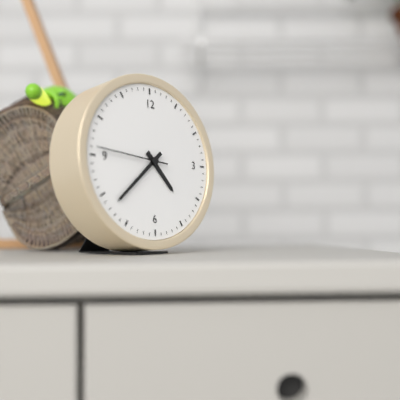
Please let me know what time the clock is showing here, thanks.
4:38:46
